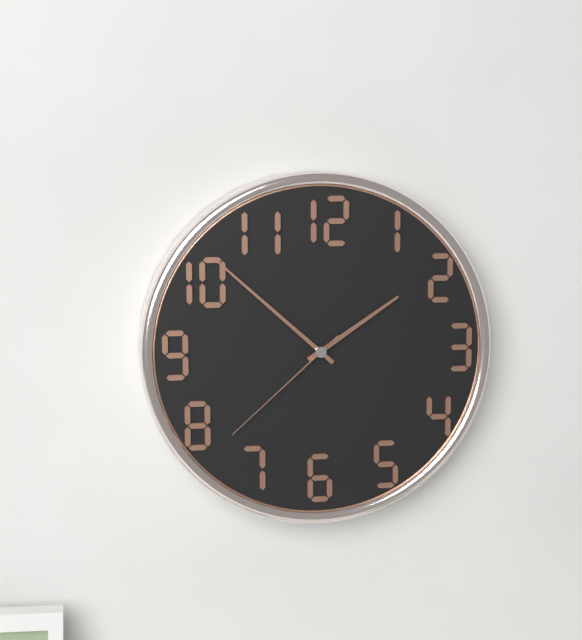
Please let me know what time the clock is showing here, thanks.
1:52:38
